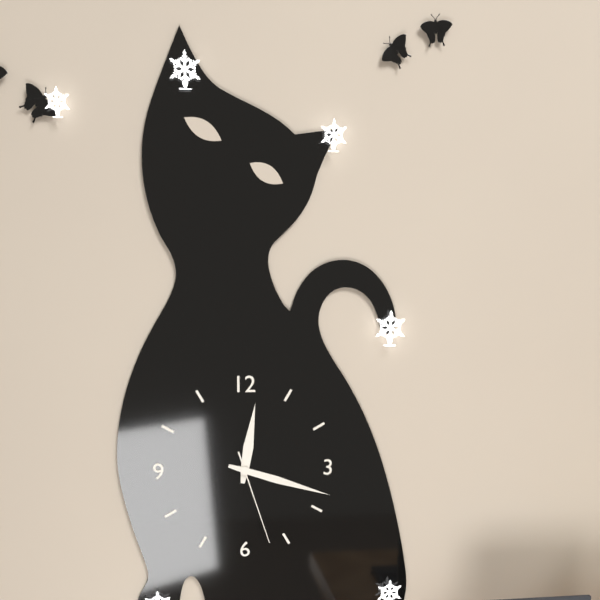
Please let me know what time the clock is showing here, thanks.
12:18:27
